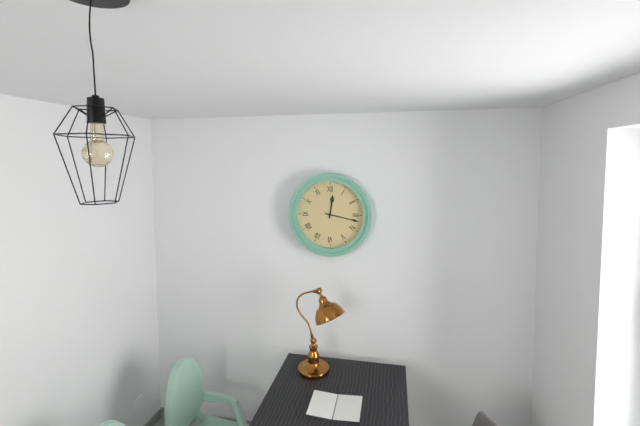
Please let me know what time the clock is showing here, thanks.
12:17
